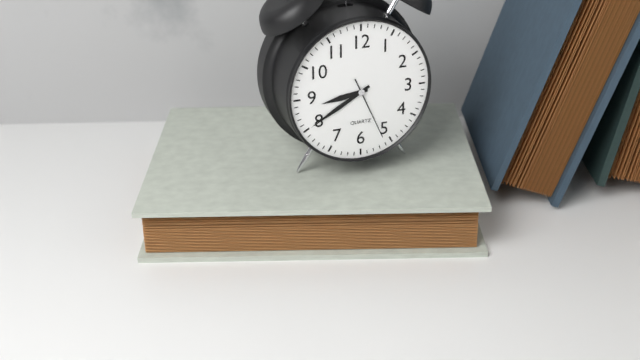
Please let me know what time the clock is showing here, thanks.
8:40:26
